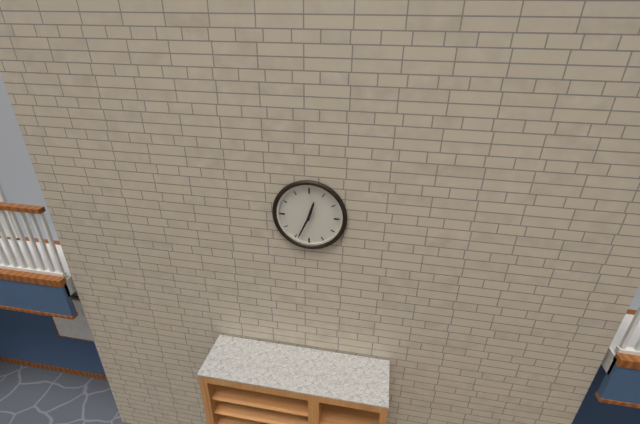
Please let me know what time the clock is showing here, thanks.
12:34
